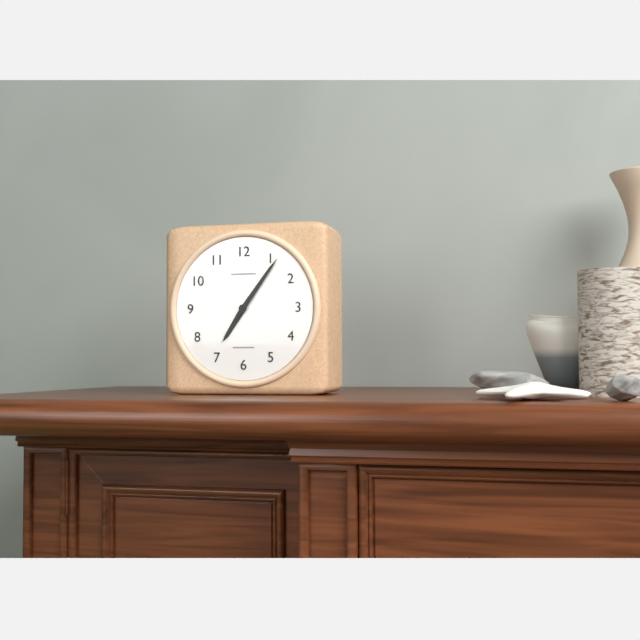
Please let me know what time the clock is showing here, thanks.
7:06
